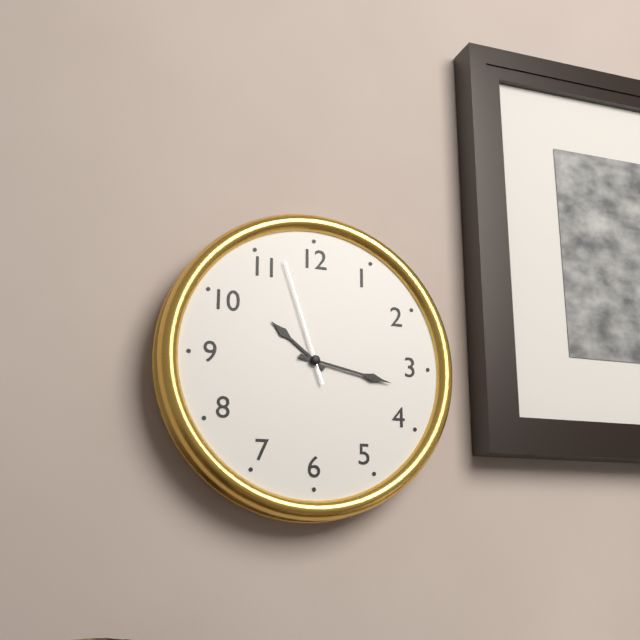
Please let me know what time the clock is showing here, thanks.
10:17:57
